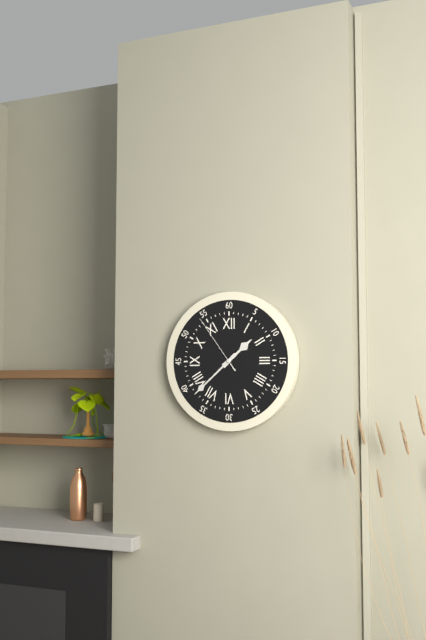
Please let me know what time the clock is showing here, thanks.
1:38:54
